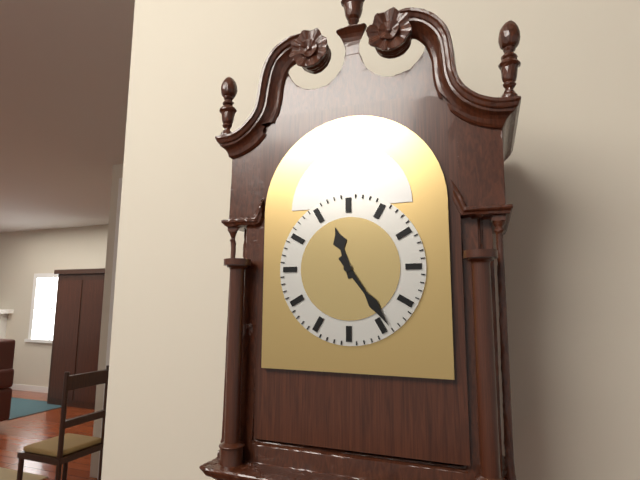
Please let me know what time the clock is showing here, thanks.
11:24
